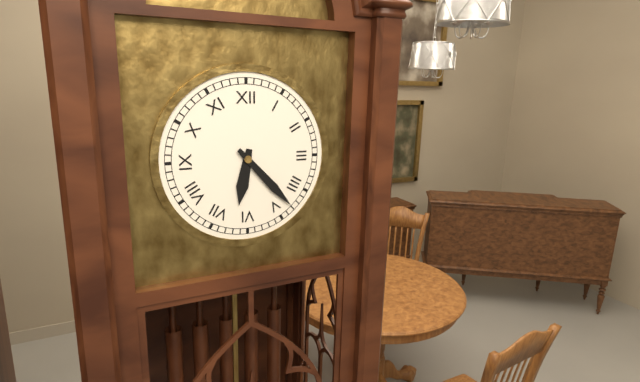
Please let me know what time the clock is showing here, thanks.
6:23
